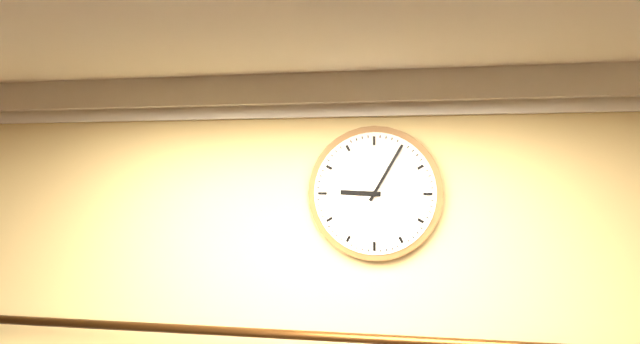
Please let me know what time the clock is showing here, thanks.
9:05
